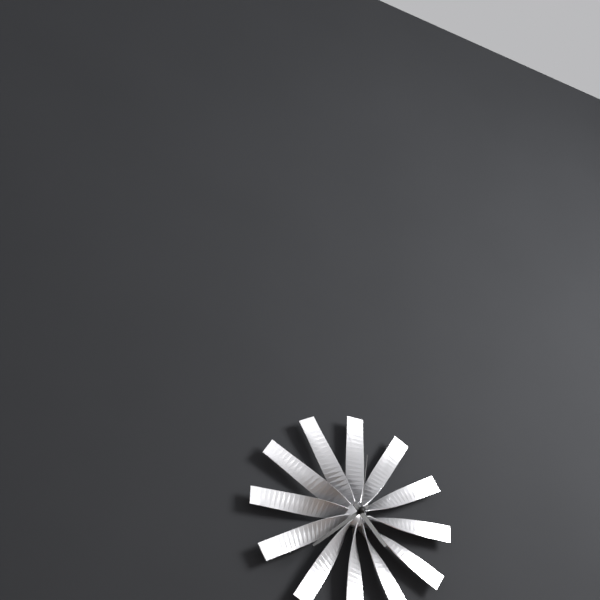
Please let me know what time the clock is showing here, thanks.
4:38:01
